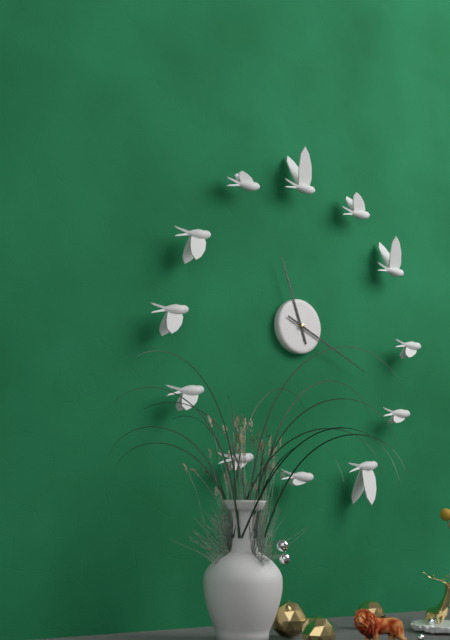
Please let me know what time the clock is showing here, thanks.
11:19
